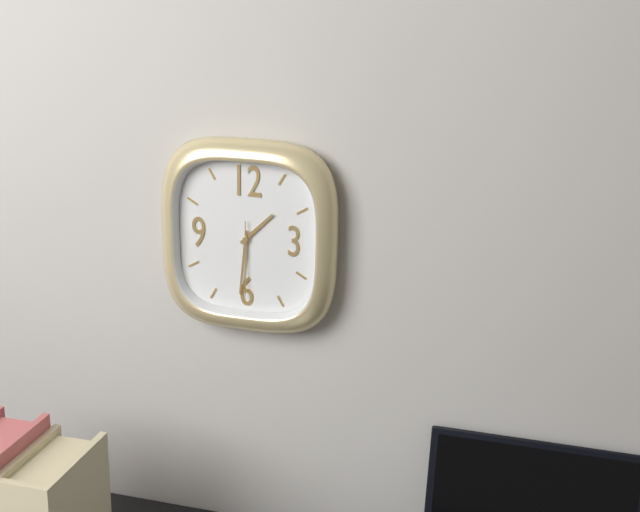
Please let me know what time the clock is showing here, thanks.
1:31:30
